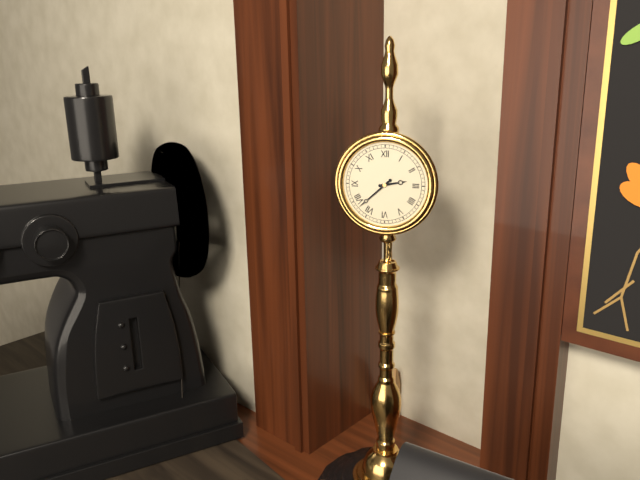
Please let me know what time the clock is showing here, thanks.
2:38
